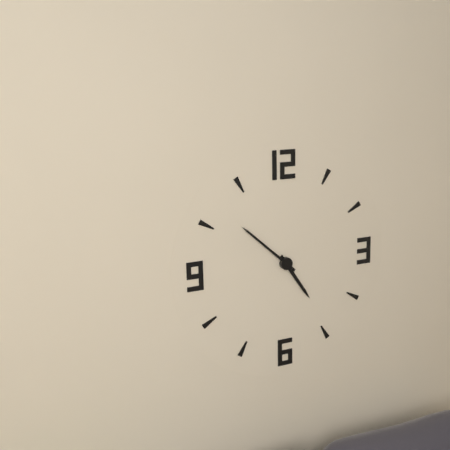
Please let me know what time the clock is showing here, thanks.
4:52
